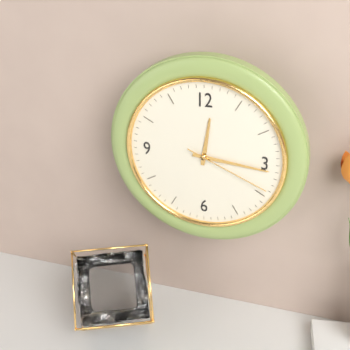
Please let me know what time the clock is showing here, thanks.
12:16:19
